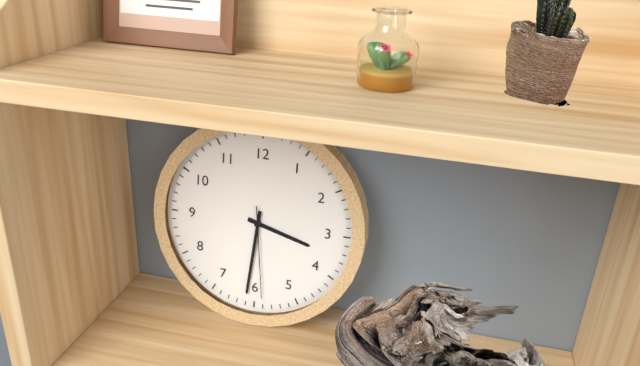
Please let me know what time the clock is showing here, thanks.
3:31:29
